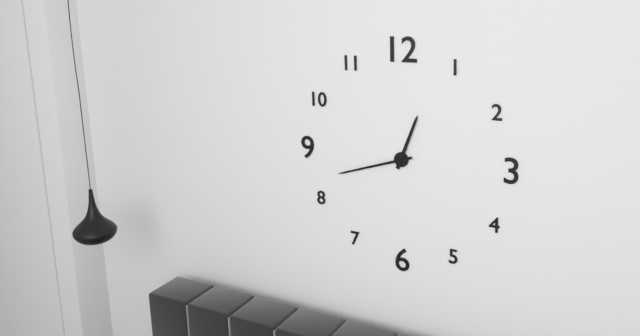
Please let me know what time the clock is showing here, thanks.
12:42
